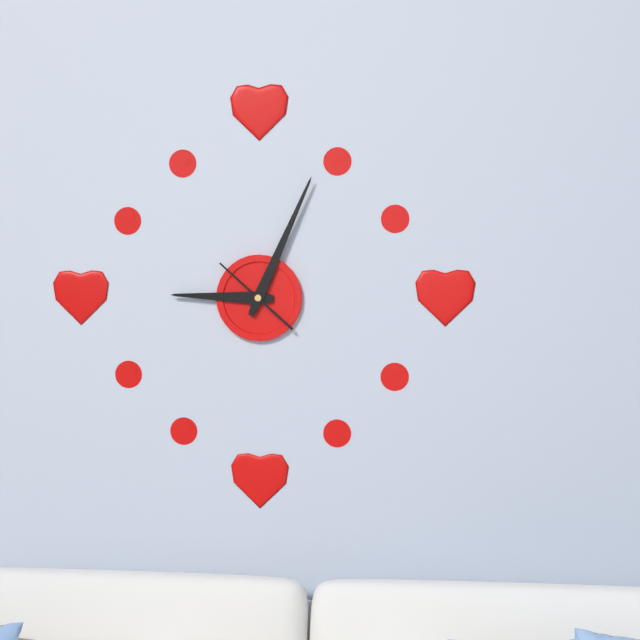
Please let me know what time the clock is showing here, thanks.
9:04:52
